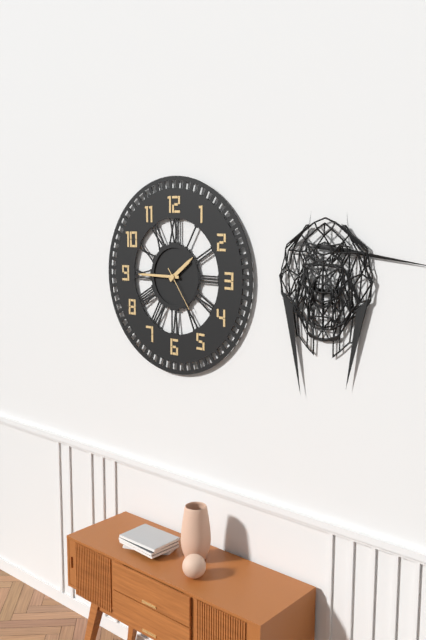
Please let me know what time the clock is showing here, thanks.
1:45
